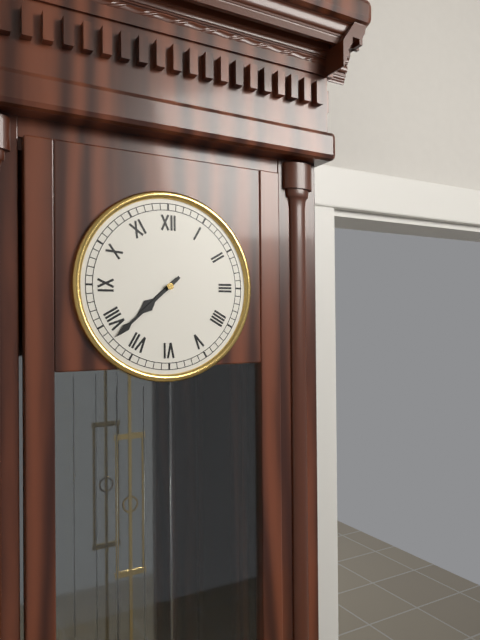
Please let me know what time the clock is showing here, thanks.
7:38
